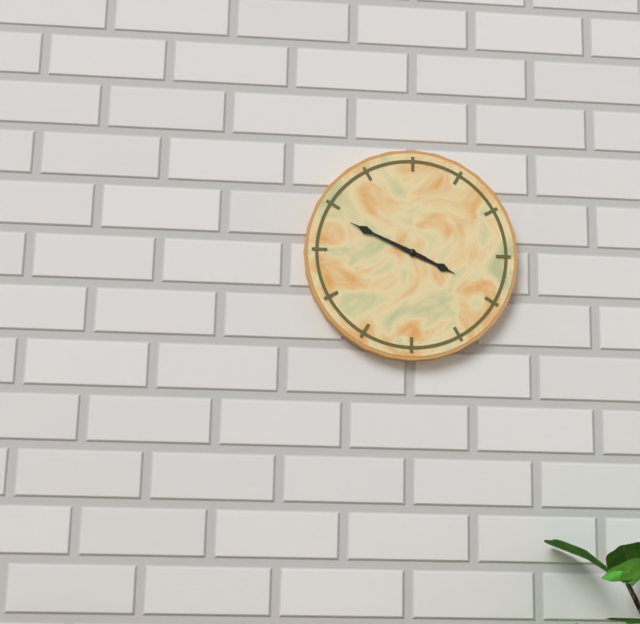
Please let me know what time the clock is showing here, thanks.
3:49
